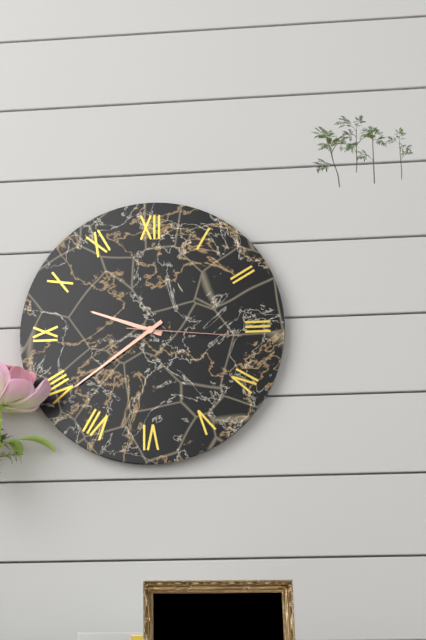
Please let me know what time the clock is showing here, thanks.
9:39:16
